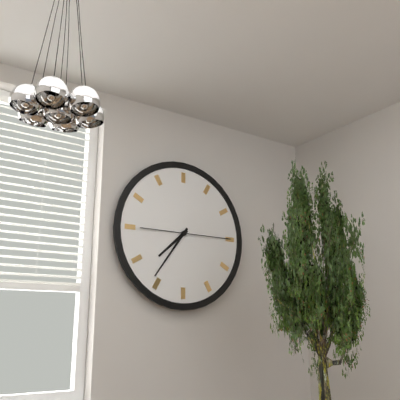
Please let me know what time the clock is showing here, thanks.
7:36:15
